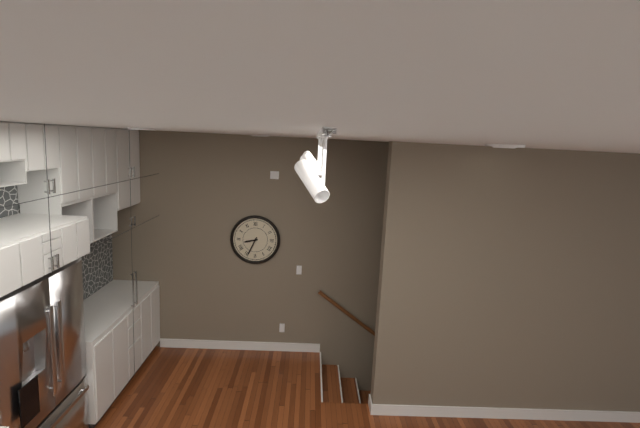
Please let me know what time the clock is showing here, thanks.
8:34
